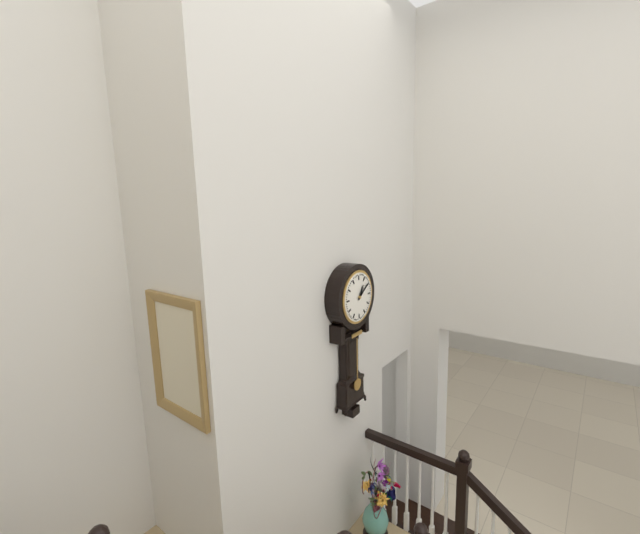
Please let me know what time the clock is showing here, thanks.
1:09
